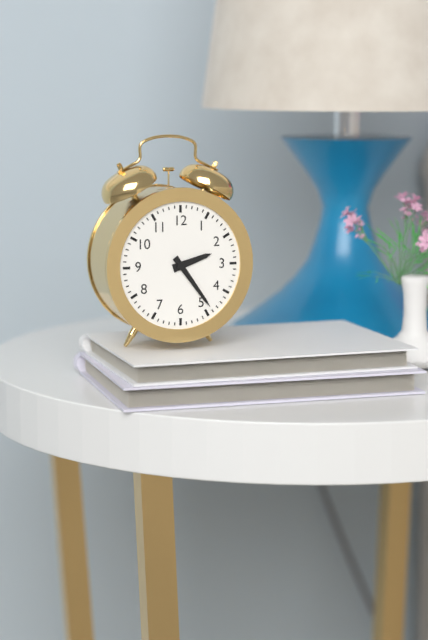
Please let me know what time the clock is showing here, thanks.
2:24
